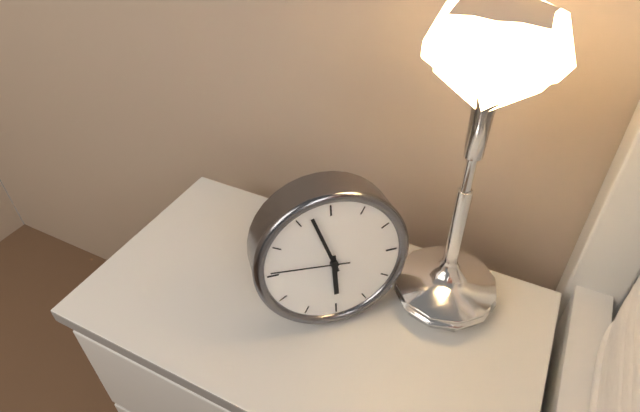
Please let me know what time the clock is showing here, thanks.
5:57:46
